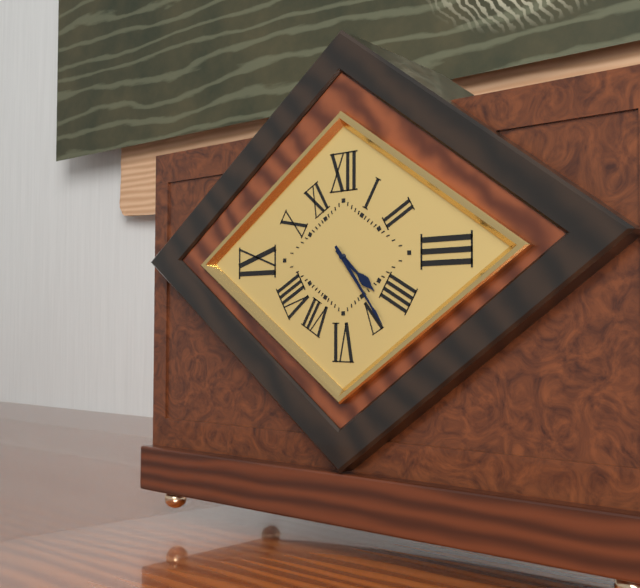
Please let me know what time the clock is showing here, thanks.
4:24
